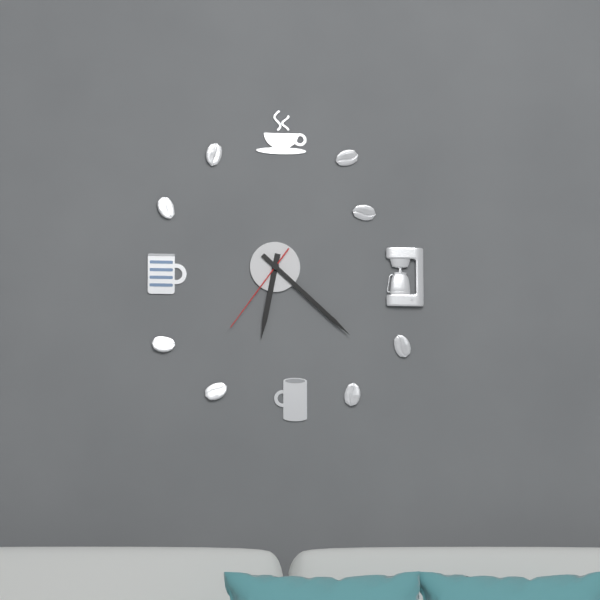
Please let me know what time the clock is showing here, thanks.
6:22:36
